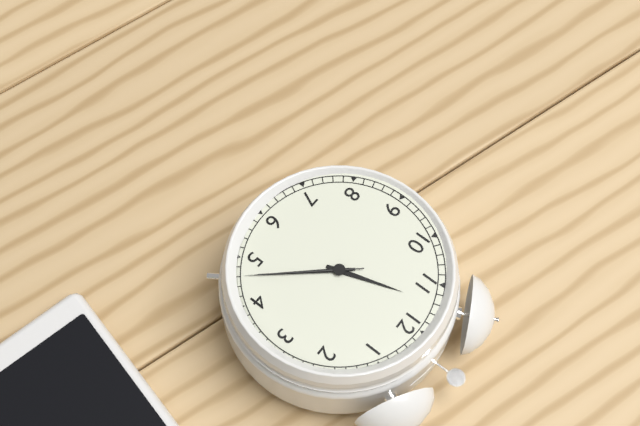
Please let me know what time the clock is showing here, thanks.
11:23:23
